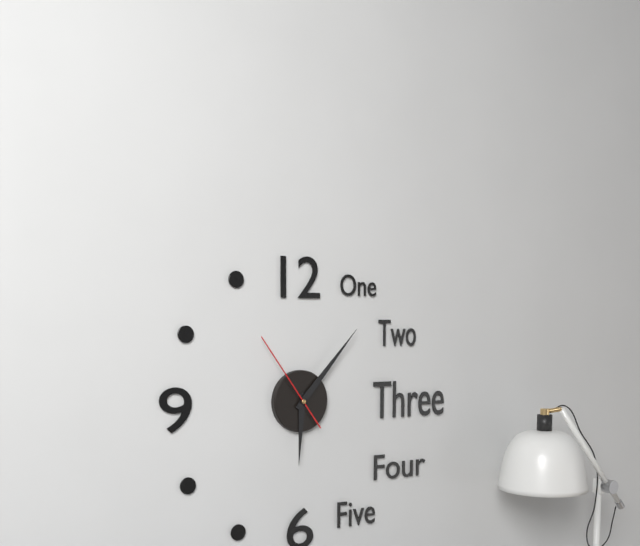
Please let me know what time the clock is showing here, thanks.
6:07:54
